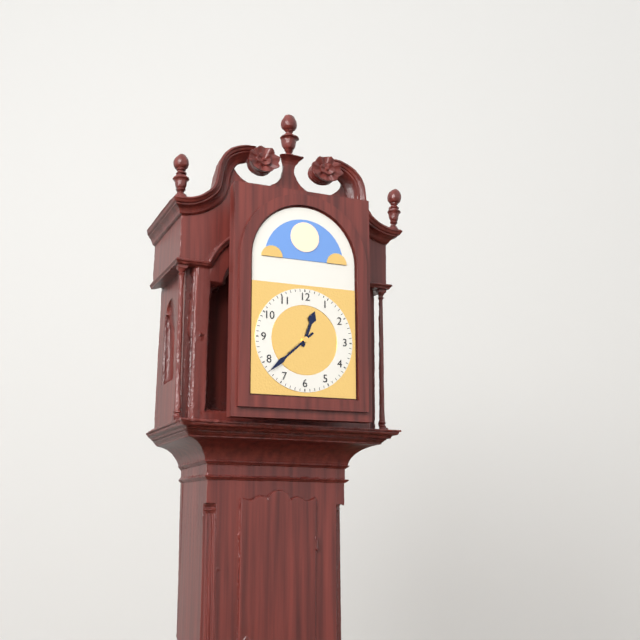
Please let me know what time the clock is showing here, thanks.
12:38
